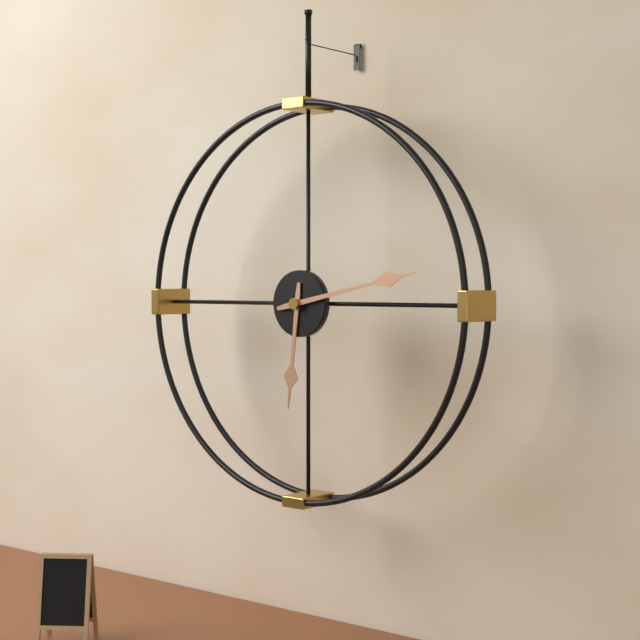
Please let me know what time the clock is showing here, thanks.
6:13
